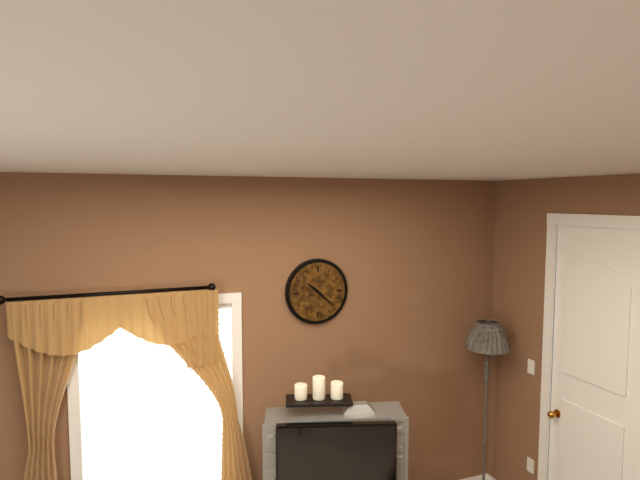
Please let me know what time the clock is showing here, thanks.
10:22
